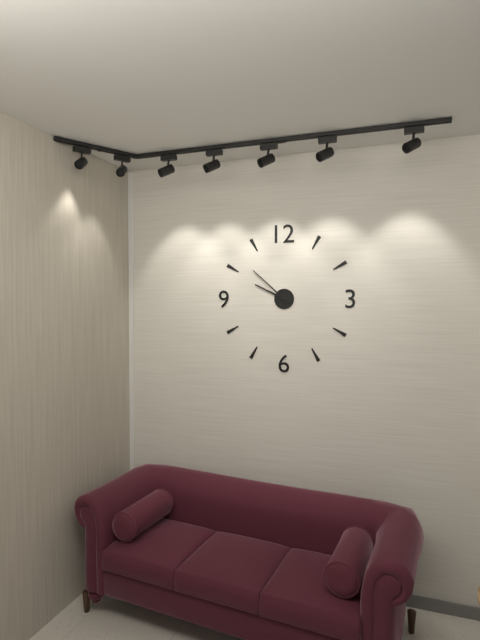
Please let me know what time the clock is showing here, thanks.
9:52
